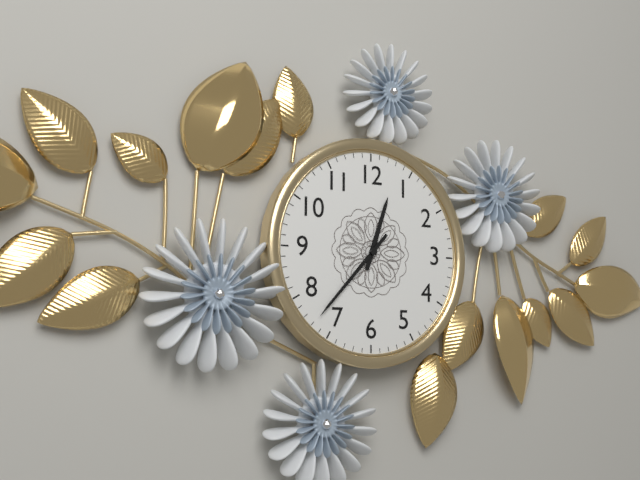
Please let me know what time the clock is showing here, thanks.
12:37
